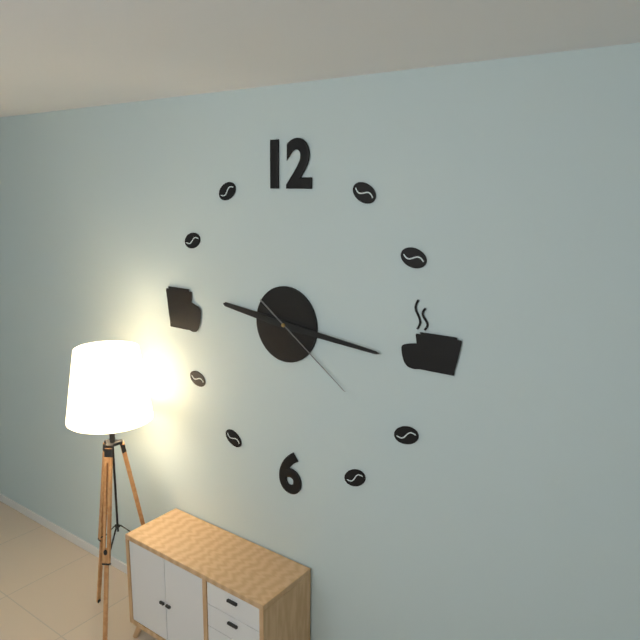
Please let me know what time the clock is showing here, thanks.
9:16:21
